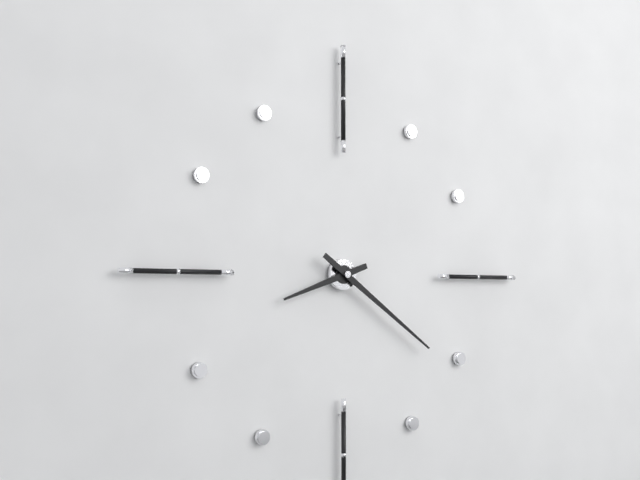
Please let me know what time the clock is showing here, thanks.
8:21
